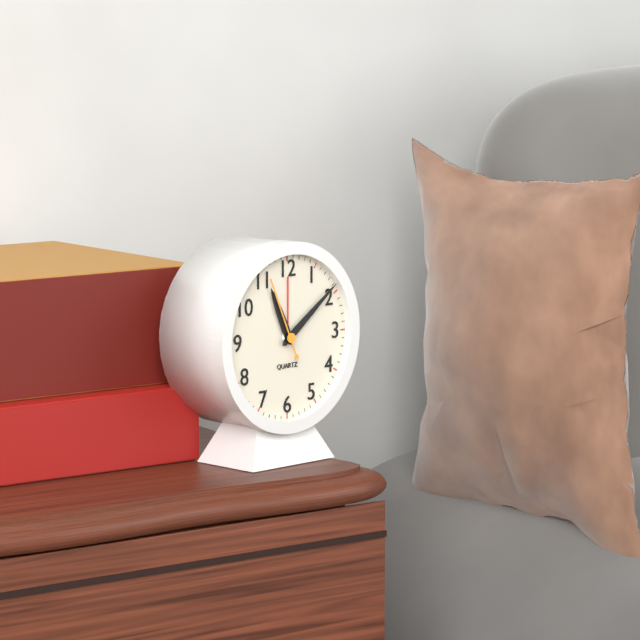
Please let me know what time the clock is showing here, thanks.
11:09:56
